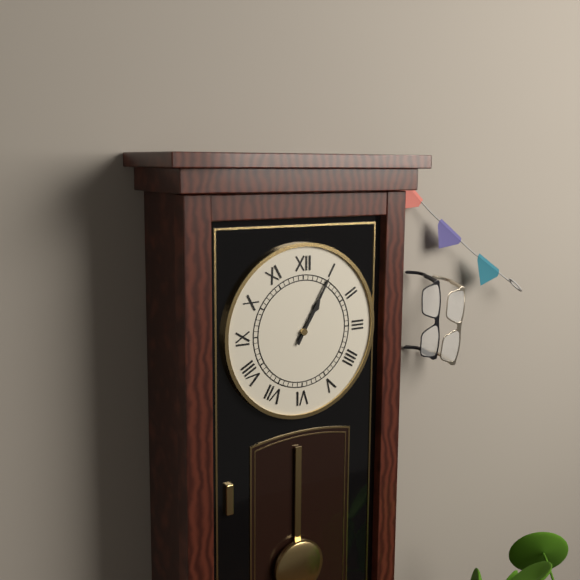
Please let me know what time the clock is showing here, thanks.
1:05
